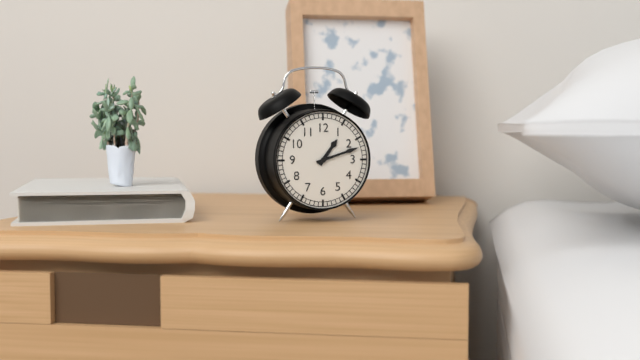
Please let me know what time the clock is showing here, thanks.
1:12
